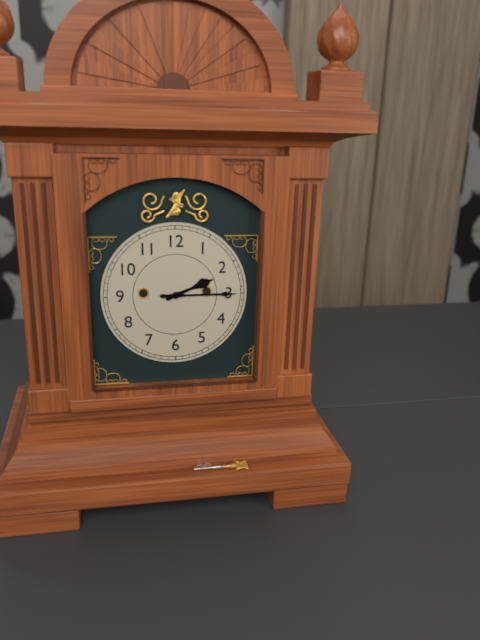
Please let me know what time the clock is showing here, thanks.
2:15
